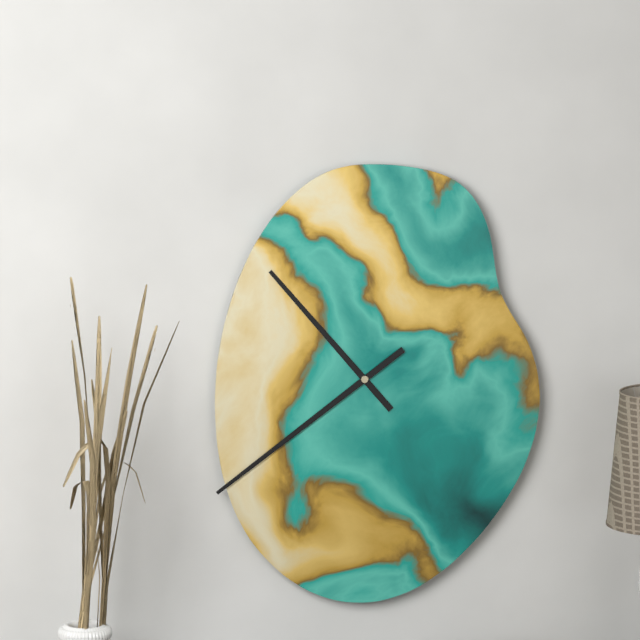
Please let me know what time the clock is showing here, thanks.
10:39
